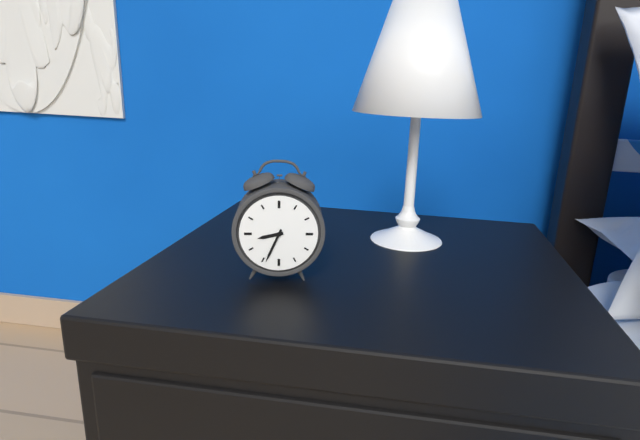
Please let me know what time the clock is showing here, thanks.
8:34
